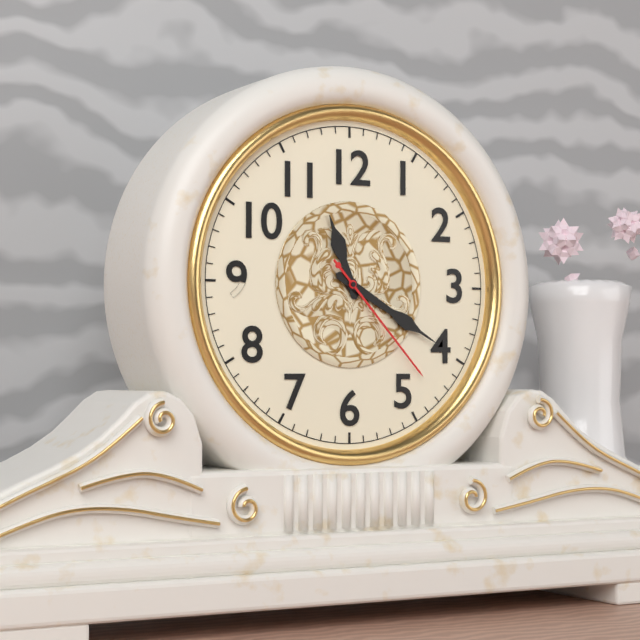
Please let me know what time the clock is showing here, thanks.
11:20:23
